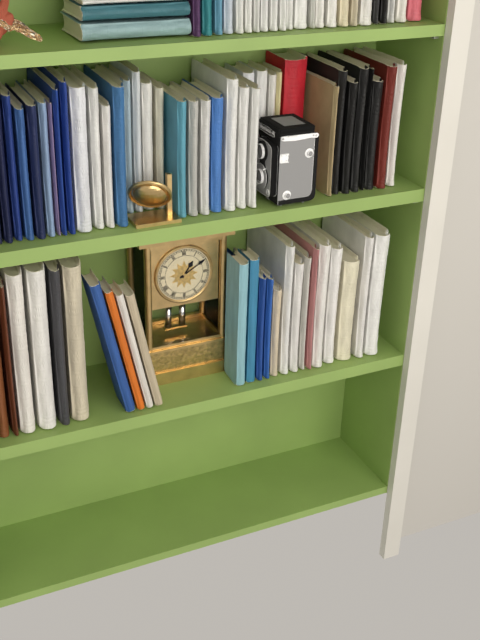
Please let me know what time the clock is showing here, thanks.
1:10
